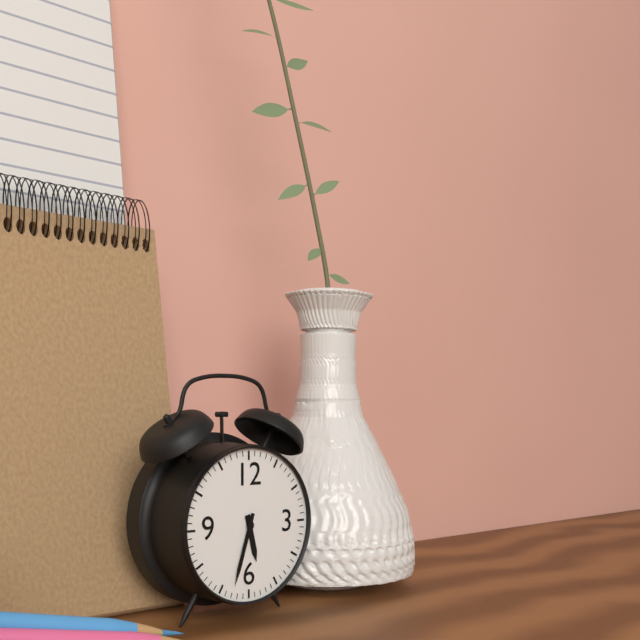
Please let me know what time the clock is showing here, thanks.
5:33
